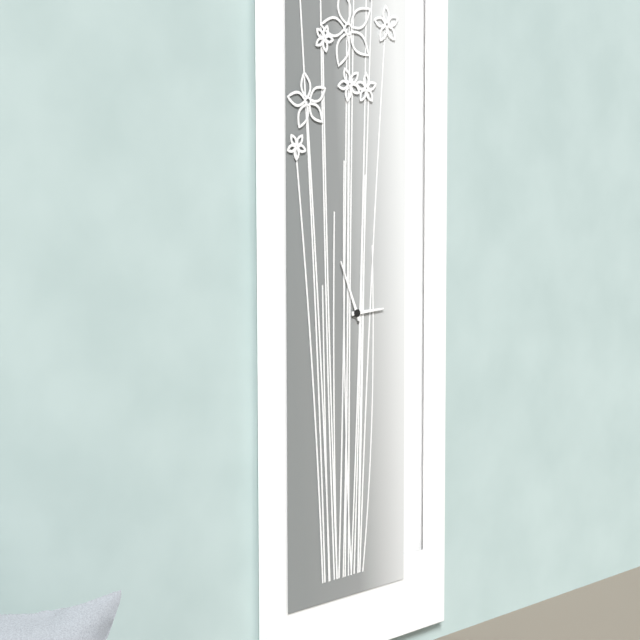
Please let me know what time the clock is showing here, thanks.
2:56
